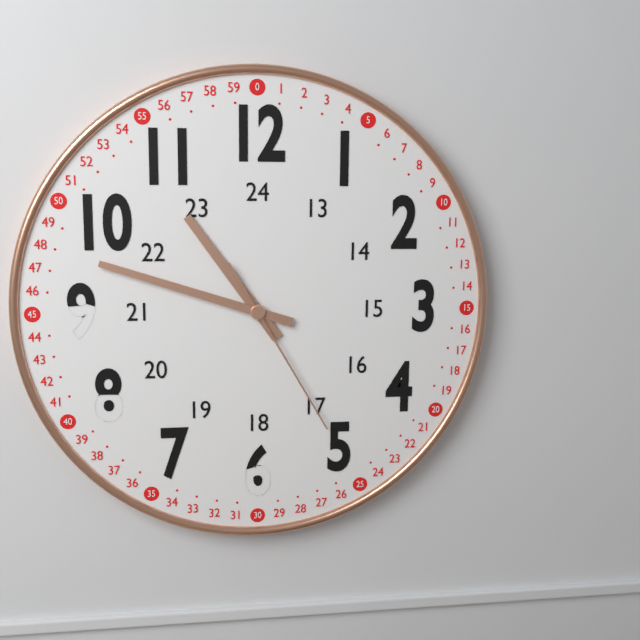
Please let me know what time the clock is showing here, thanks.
10:48:25
